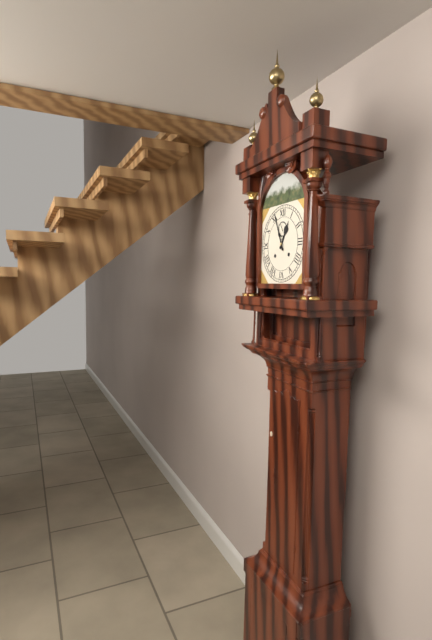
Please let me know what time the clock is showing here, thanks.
12:56
